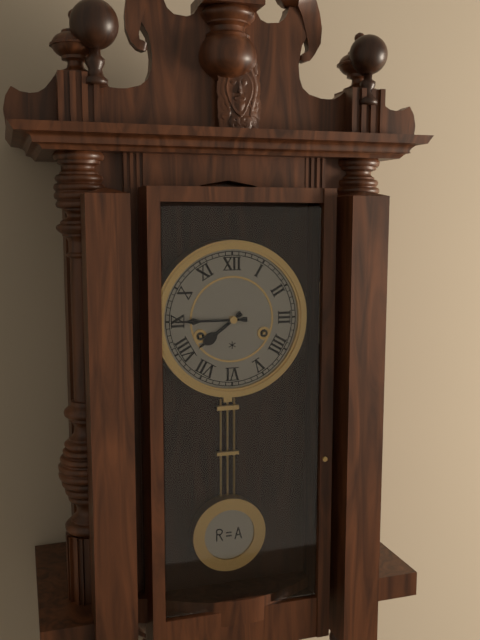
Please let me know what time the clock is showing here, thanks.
7:45
